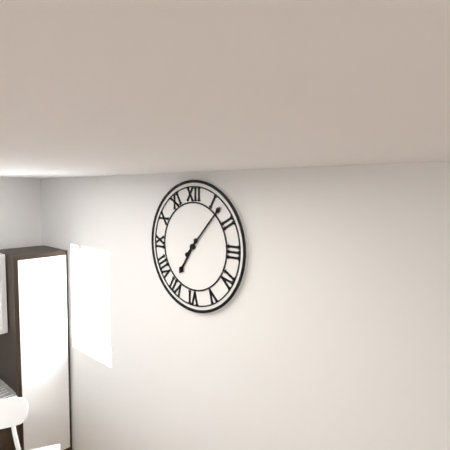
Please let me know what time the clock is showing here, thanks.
7:07
